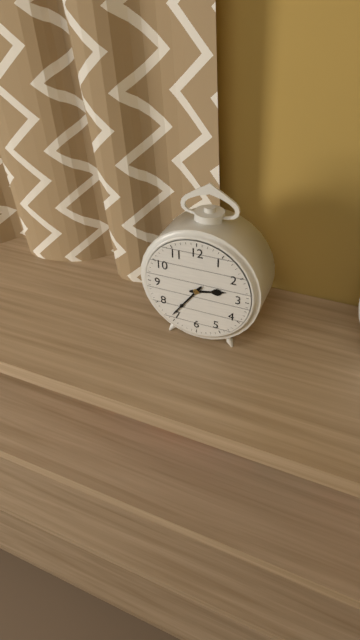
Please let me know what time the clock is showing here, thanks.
2:36
